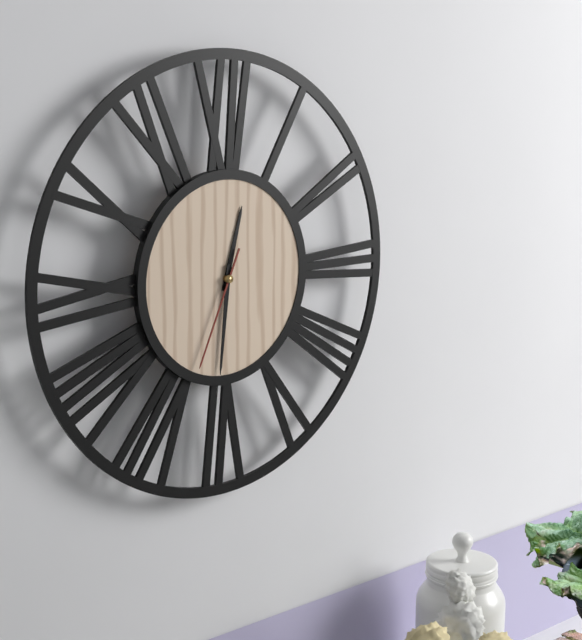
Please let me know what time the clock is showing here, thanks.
12:31:34
